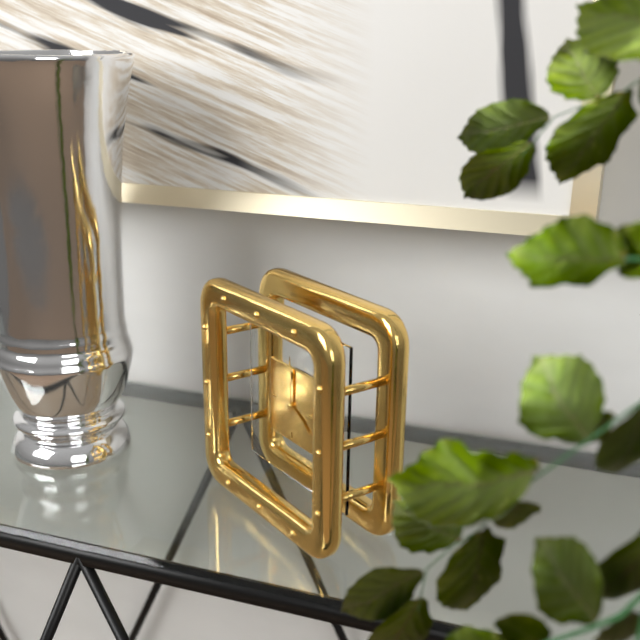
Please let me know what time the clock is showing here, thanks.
4:00
